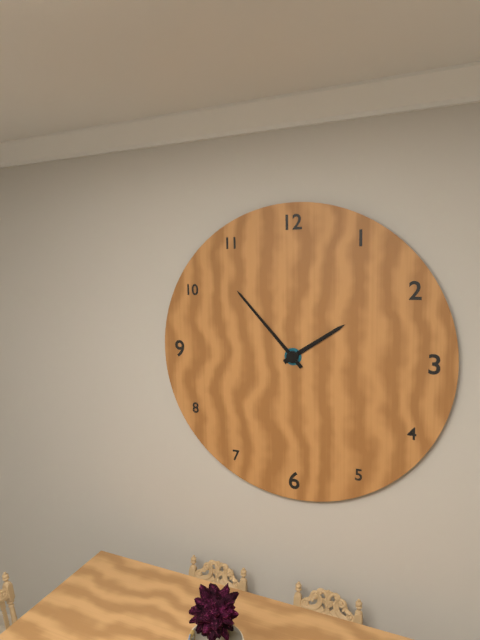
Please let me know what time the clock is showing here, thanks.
1:53
